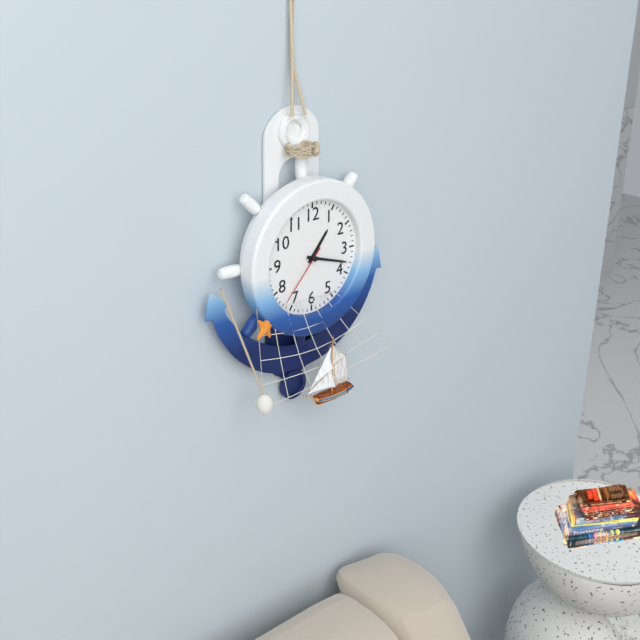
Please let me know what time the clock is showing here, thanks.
1:18:37
